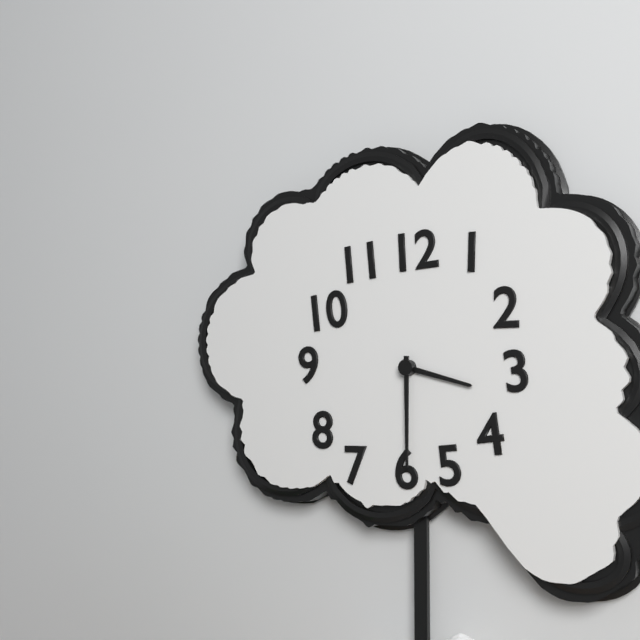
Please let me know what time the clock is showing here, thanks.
3:30
